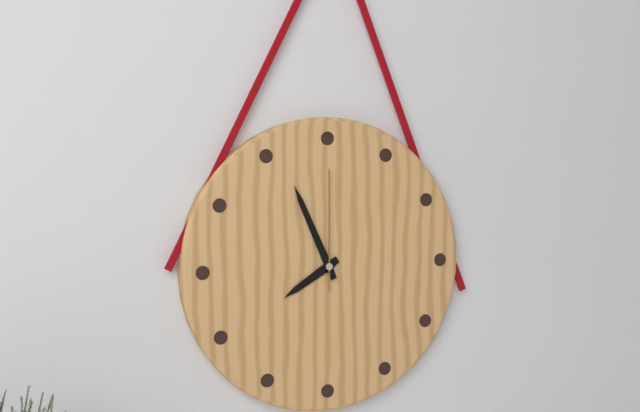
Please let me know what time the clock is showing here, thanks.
7:56:00
